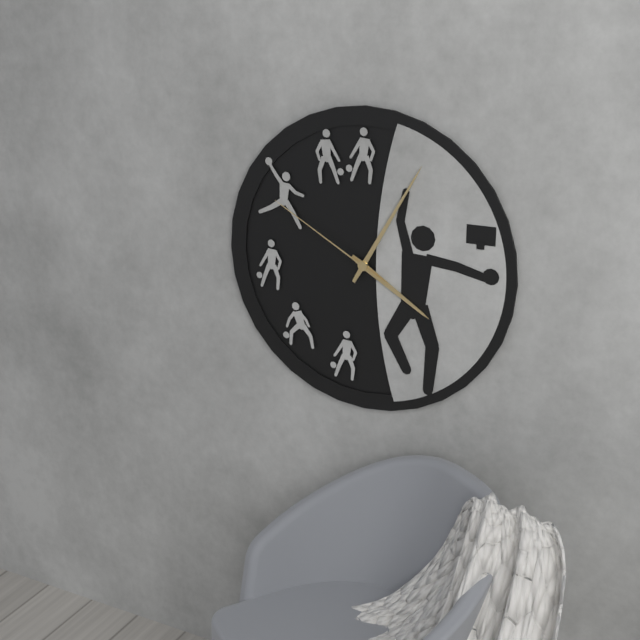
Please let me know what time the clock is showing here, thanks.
4:05:50
